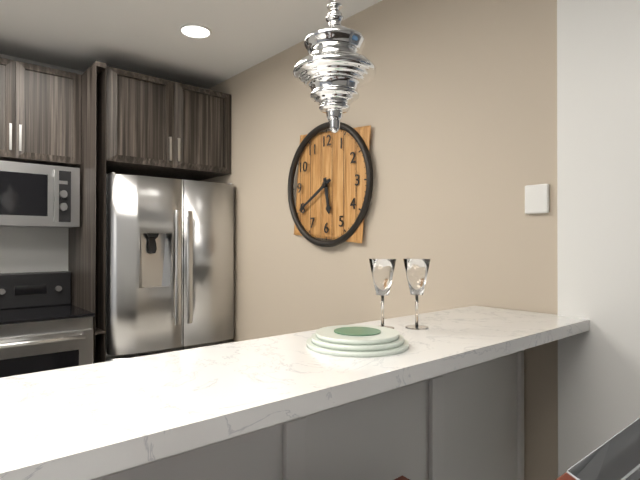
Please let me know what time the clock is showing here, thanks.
5:40
